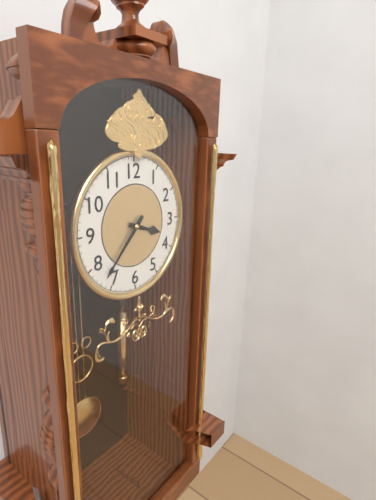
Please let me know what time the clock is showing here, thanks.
3:37
